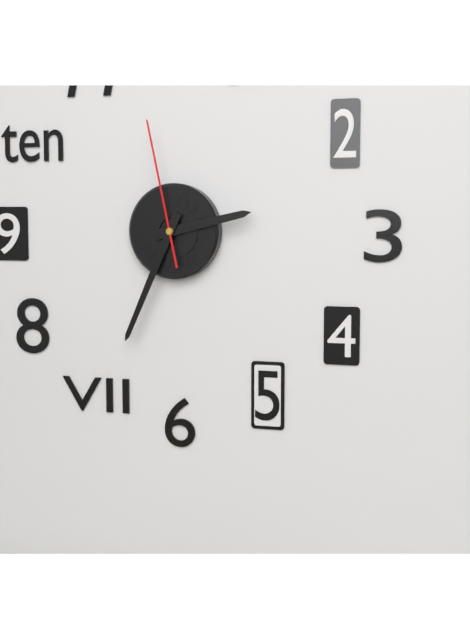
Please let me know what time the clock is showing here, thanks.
2:34:58
